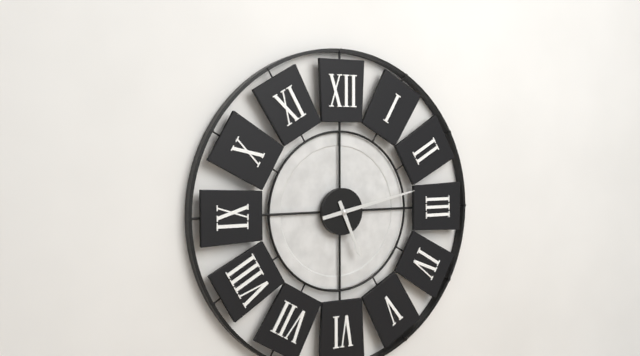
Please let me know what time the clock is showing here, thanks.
5:13
